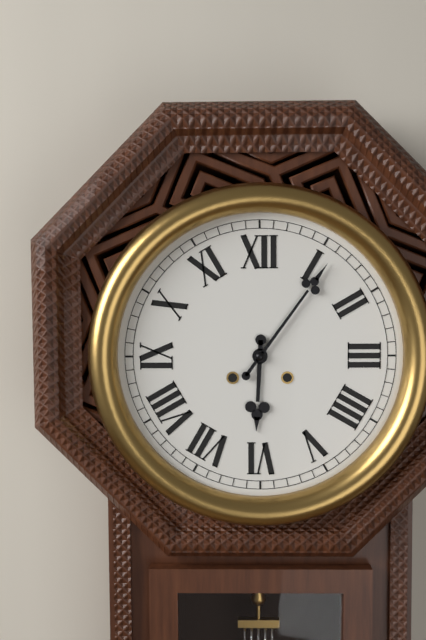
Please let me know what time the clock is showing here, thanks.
6:06
